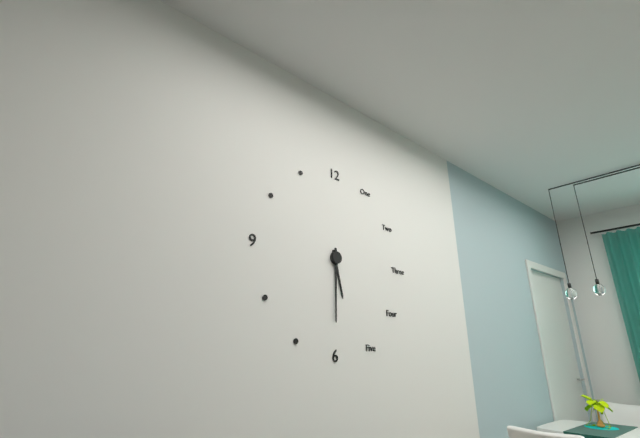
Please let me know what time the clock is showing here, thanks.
5:30
